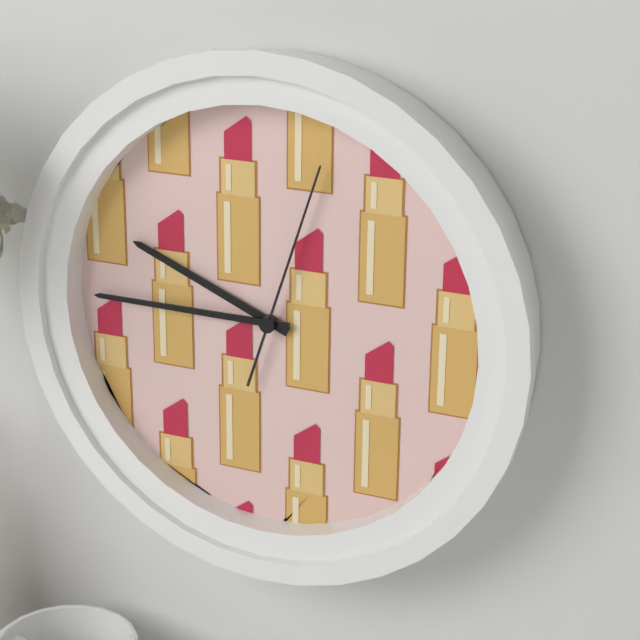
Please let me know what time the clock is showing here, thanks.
9:45:03
